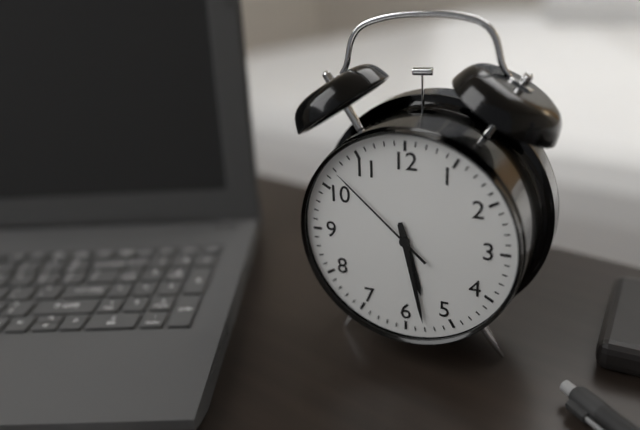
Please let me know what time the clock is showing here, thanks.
5:28:52
